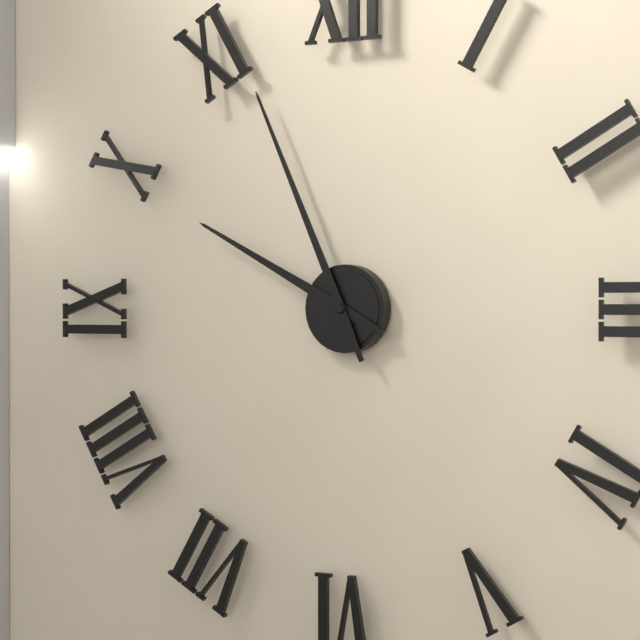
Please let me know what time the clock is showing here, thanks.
9:56
